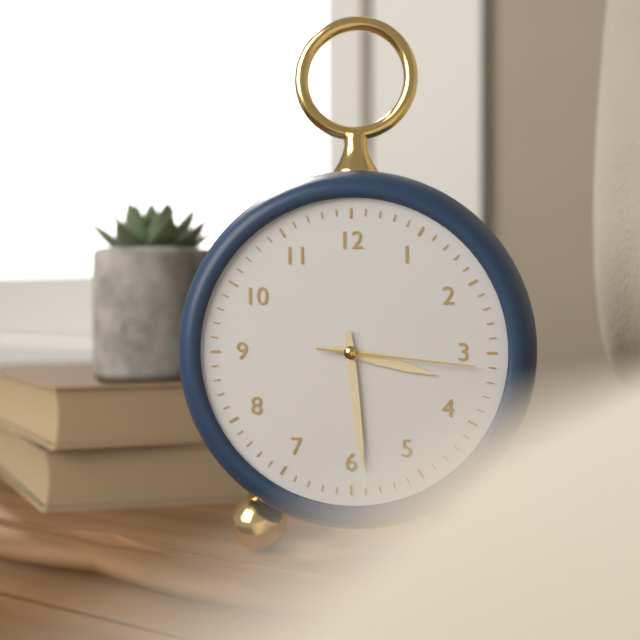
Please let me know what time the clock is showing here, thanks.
3:29:16
